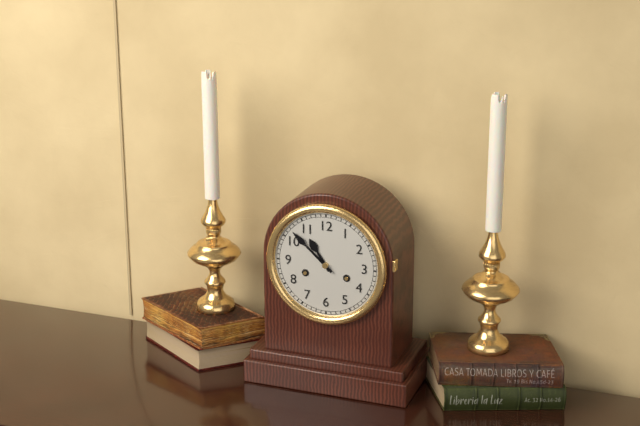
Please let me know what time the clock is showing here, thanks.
10:52
